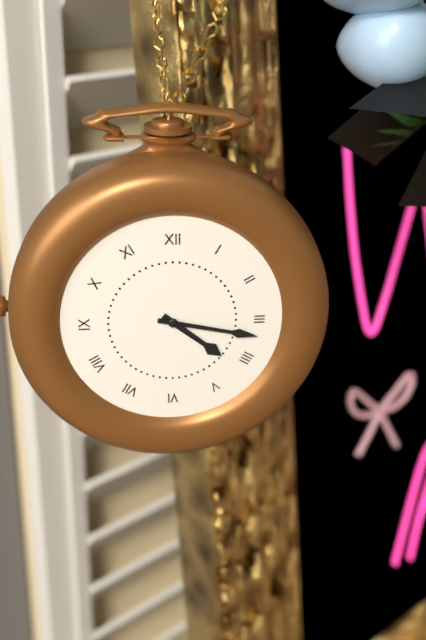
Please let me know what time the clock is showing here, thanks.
4:17
